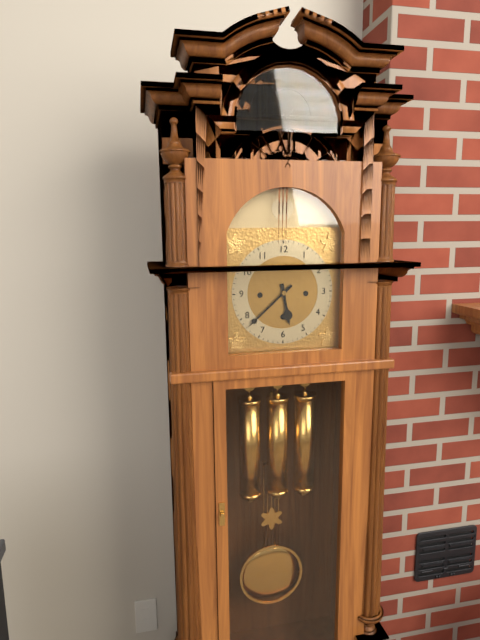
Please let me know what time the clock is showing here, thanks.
5:38
